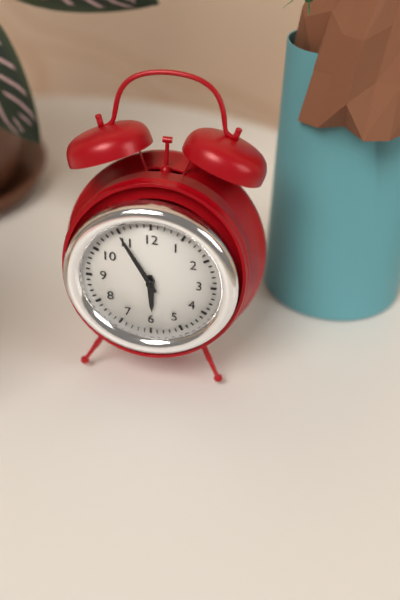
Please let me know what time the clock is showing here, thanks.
5:55
